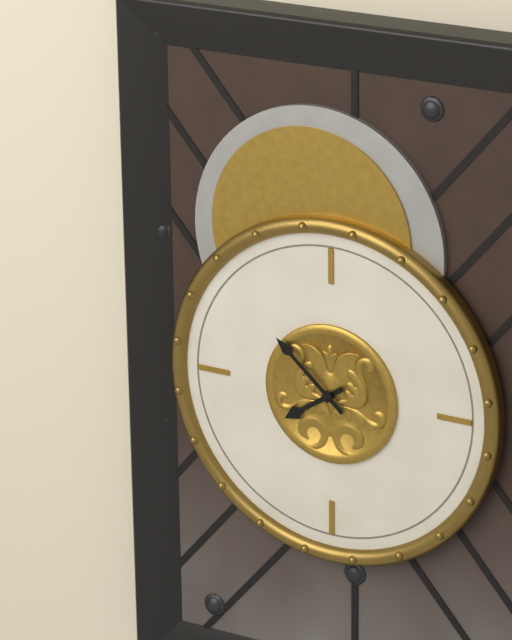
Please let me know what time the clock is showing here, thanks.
7:52
